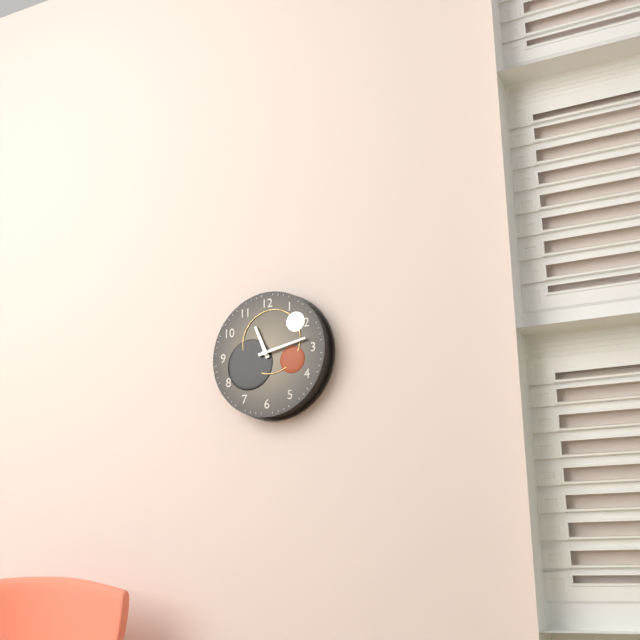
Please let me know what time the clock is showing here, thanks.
11:13
